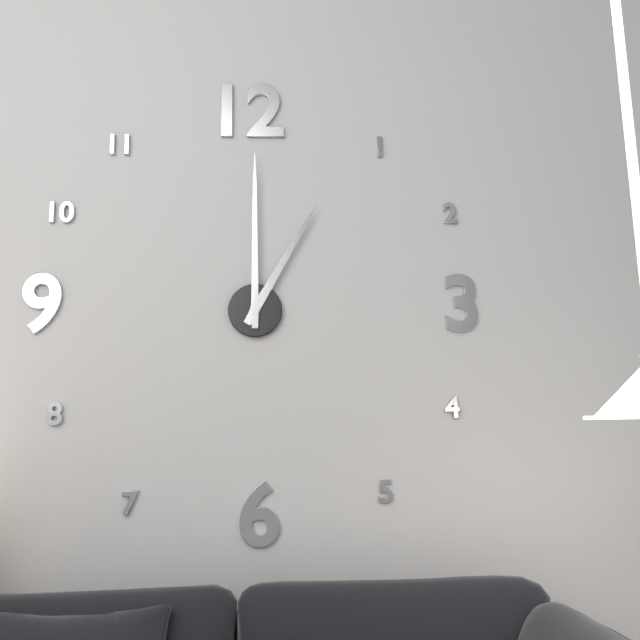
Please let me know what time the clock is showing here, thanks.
1:00
